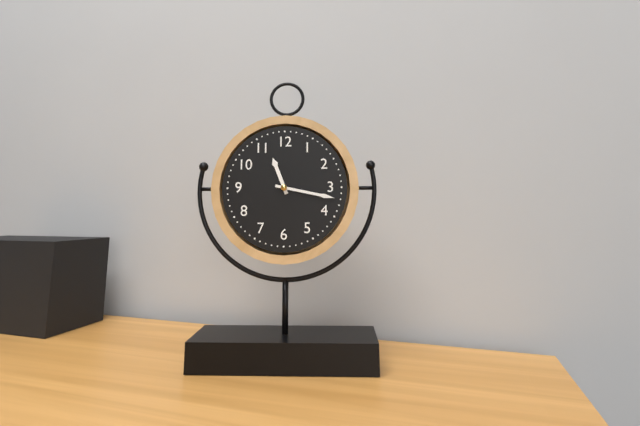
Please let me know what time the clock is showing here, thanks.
11:17
